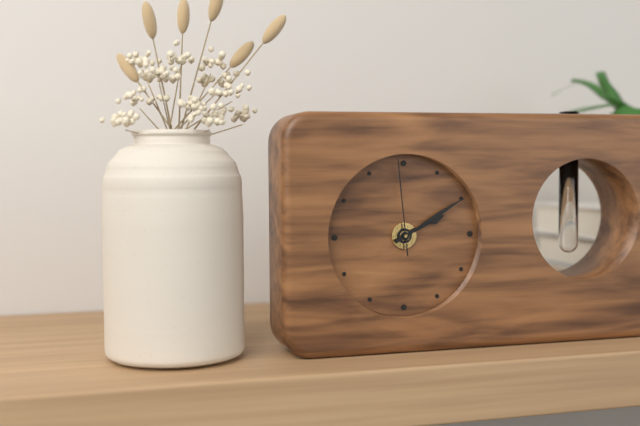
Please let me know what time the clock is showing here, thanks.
2:10:59
